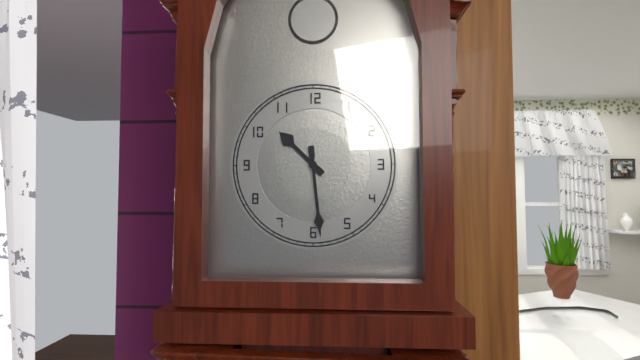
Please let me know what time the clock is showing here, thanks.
10:29
